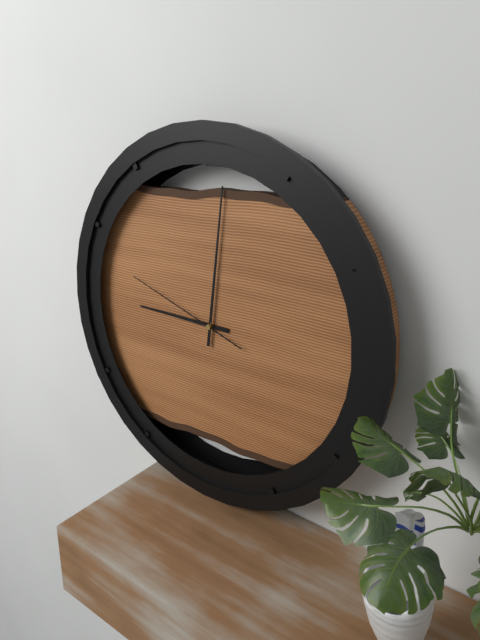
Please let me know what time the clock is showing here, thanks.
9:01:48
